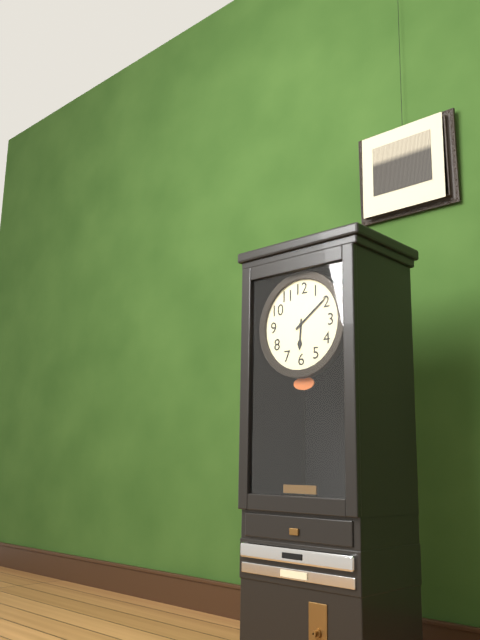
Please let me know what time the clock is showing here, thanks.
6:09
